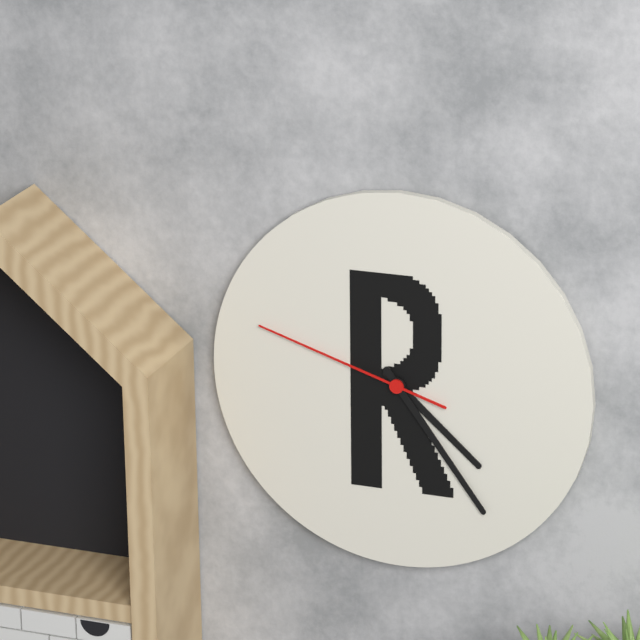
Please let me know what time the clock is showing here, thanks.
4:24:48
